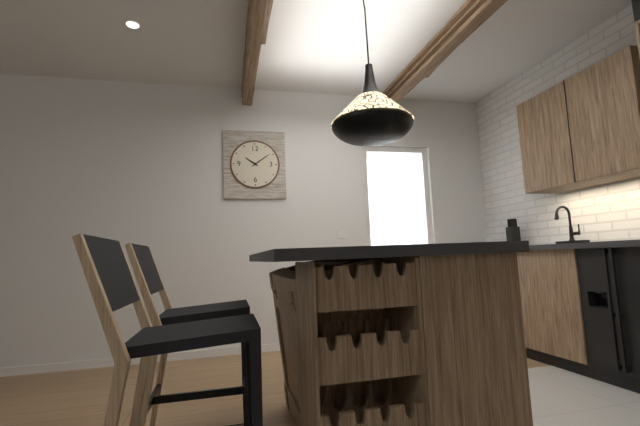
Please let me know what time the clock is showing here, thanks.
10:09
